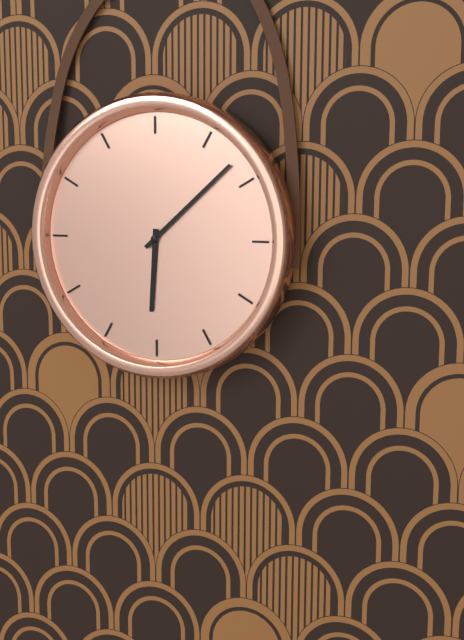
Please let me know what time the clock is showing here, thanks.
6:08
